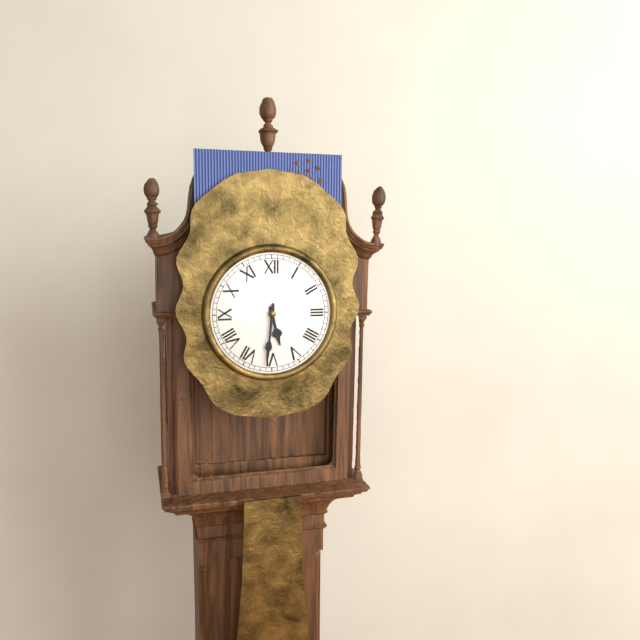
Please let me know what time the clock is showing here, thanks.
5:31
